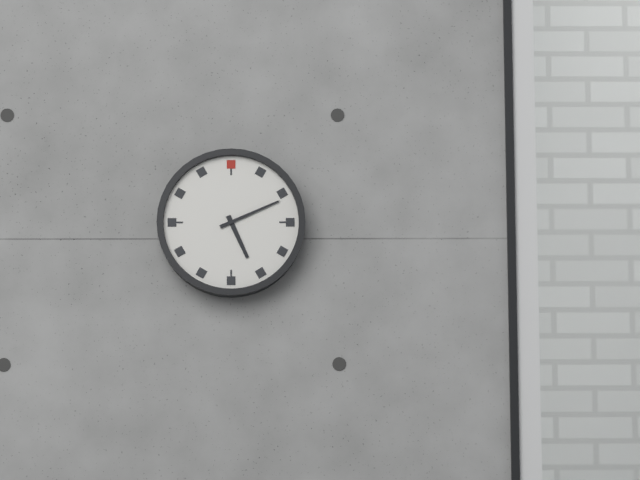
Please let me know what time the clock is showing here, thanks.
5:11
